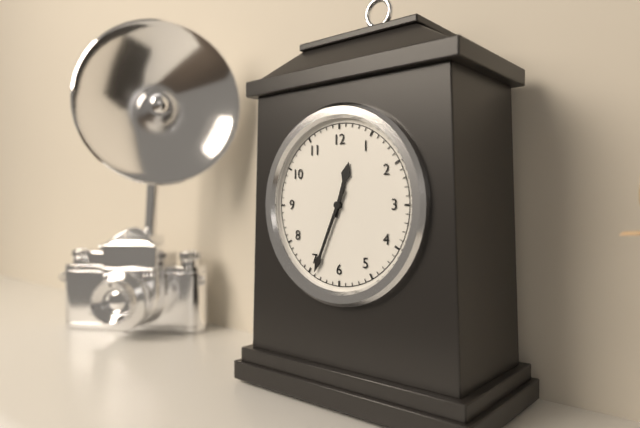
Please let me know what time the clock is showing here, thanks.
12:34
